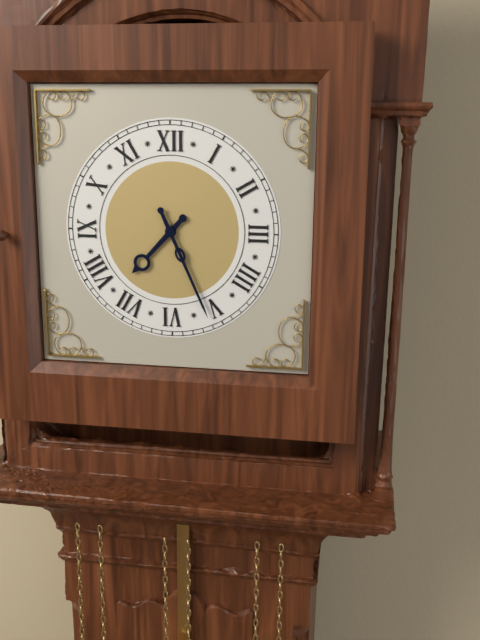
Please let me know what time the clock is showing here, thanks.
7:26
